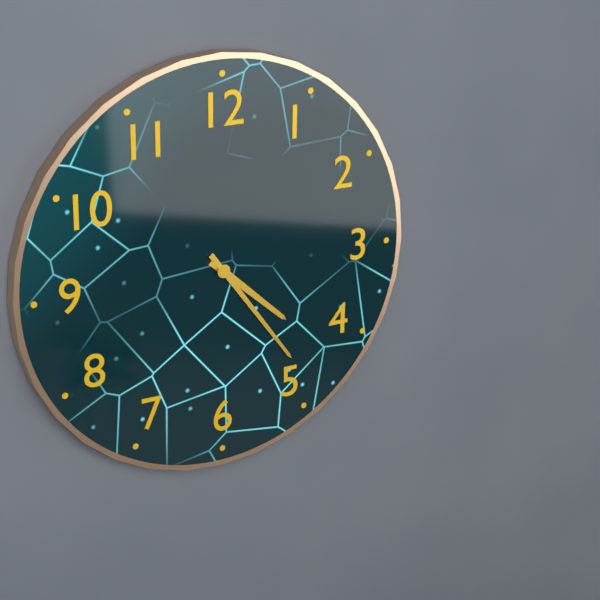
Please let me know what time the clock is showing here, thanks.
4:24
